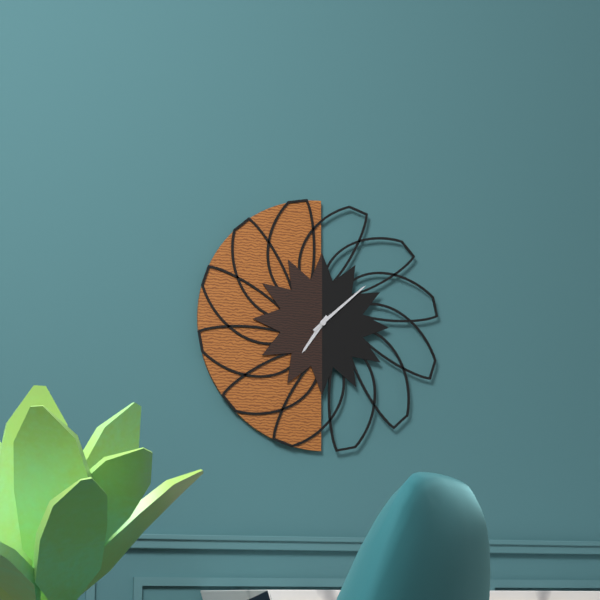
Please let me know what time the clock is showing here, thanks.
7:08
